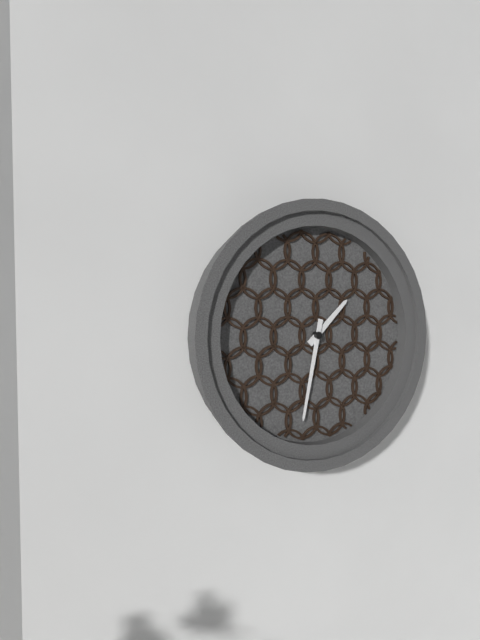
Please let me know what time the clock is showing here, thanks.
1:32
